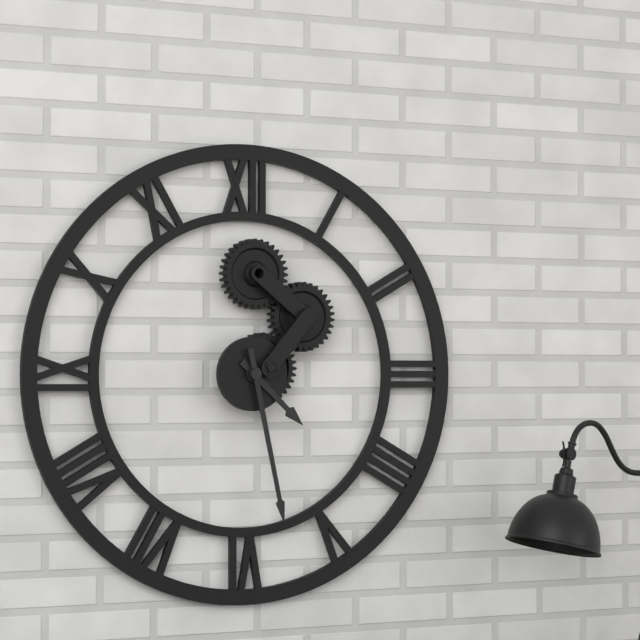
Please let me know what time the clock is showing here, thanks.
4:28
